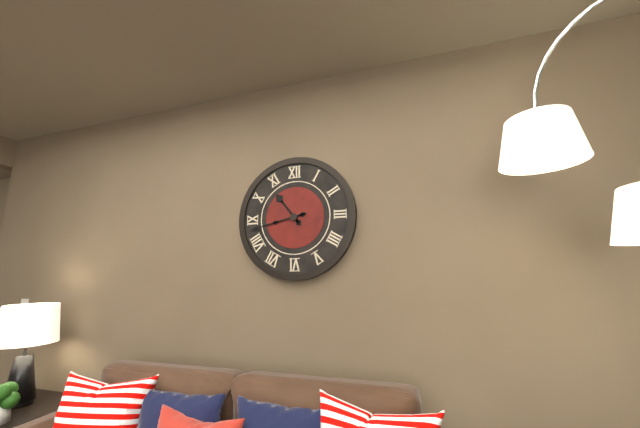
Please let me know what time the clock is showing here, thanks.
10:43
